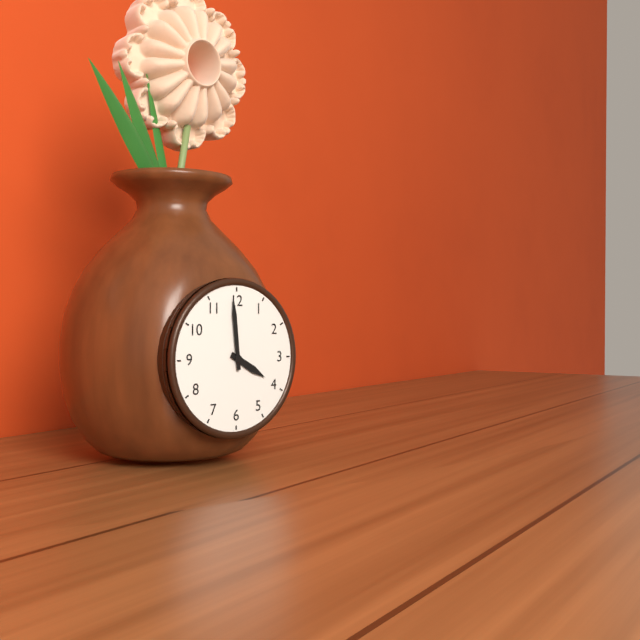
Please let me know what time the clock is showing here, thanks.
3:59
